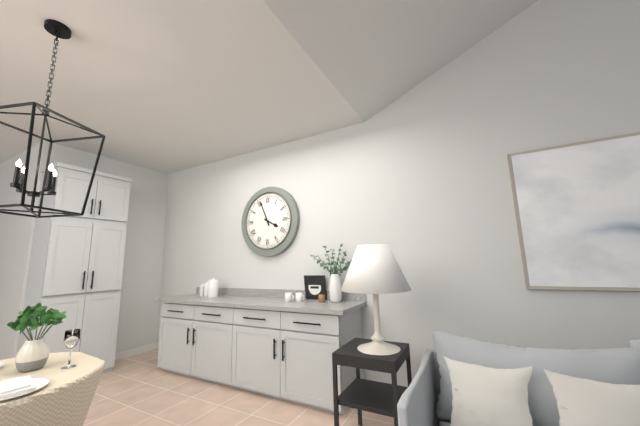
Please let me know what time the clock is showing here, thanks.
3:56
